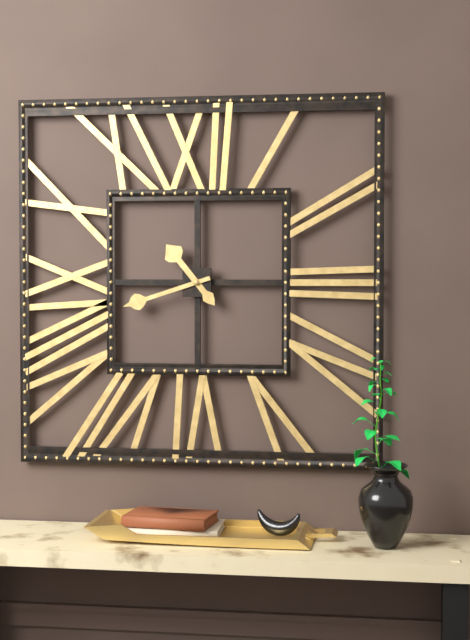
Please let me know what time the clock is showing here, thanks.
10:42
